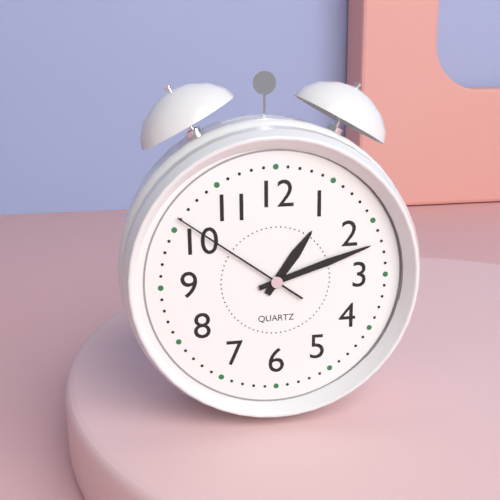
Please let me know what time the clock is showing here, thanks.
1:12:51
